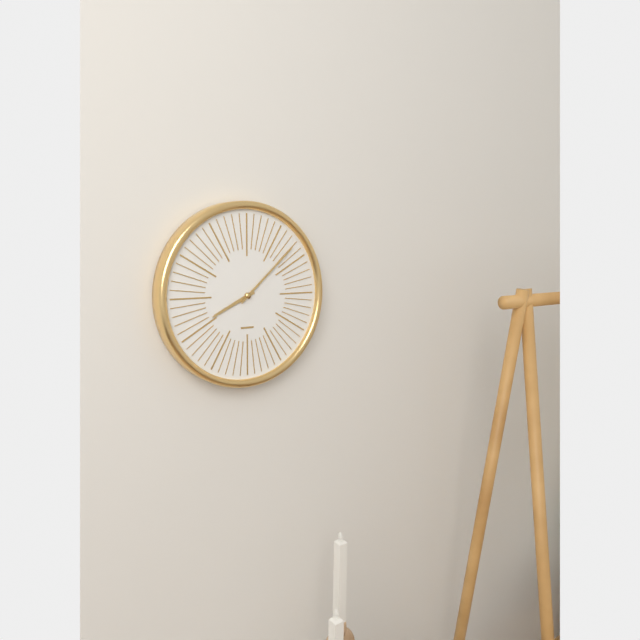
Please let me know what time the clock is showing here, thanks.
8:08
